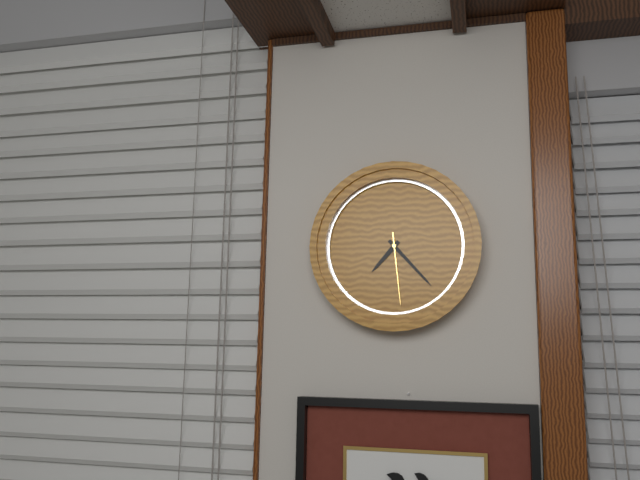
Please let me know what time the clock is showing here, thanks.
7:23:29
